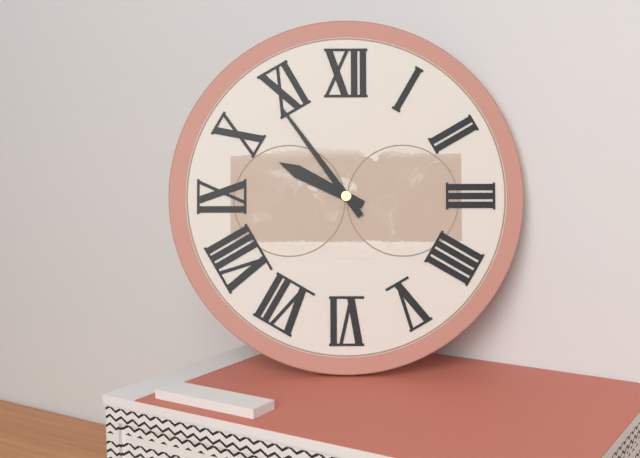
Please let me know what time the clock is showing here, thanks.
9:54
